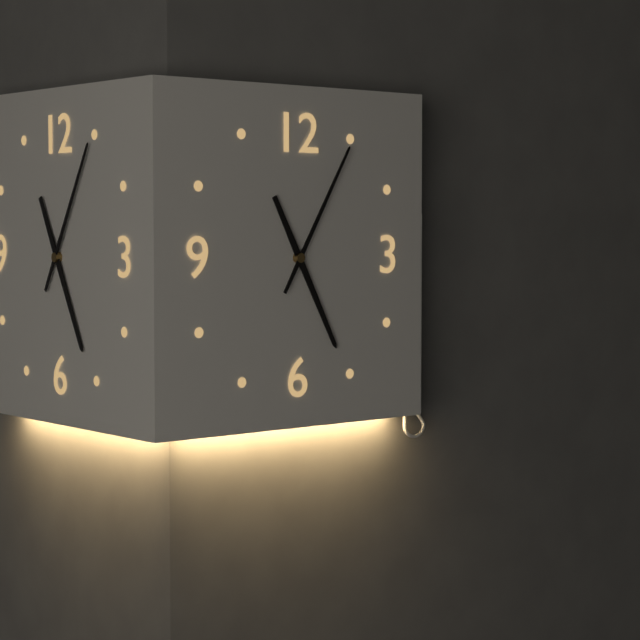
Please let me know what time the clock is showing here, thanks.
5:05
